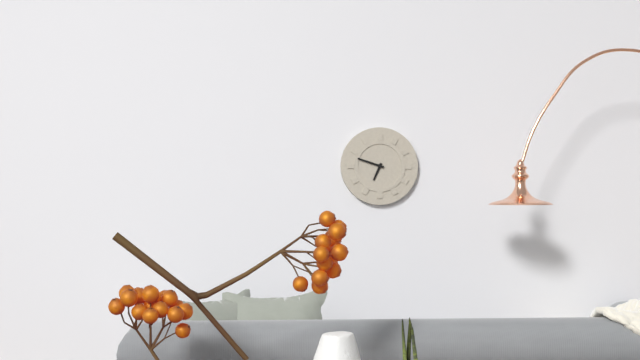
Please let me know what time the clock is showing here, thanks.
6:48
